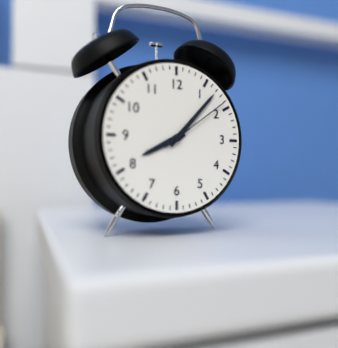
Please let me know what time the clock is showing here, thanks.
8:07:09
